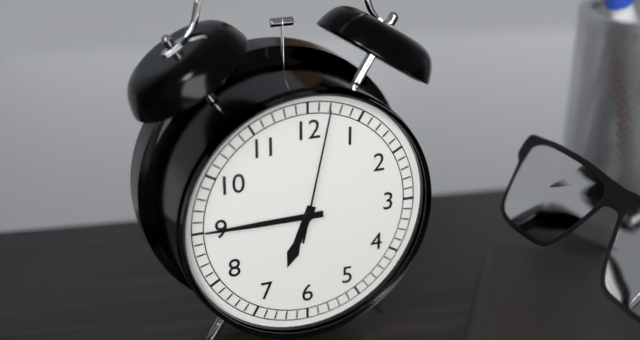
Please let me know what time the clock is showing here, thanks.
6:45:02
